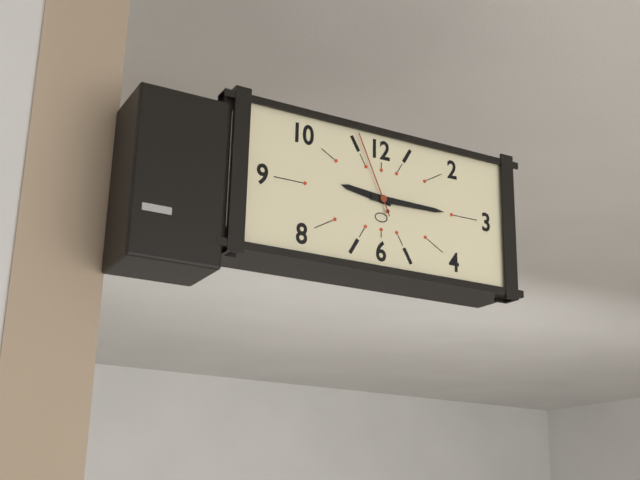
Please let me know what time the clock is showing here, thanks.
9:15:56
